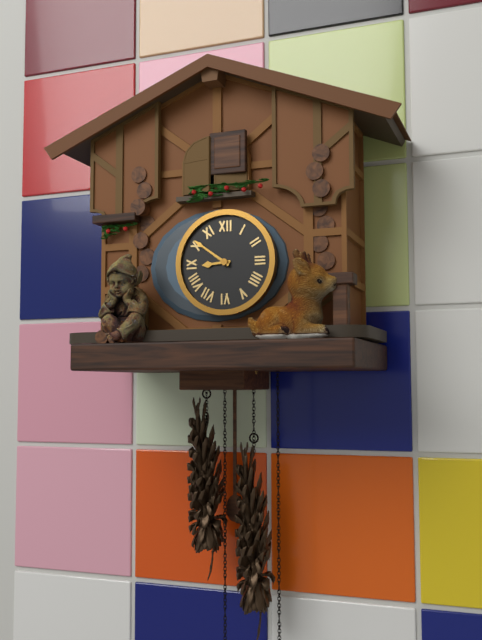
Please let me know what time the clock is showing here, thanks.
8:51
